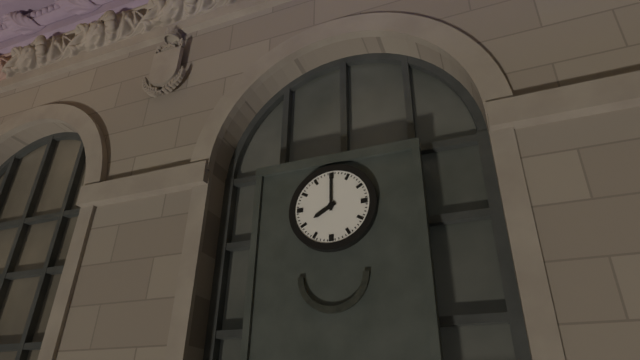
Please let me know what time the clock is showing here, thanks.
8:00
